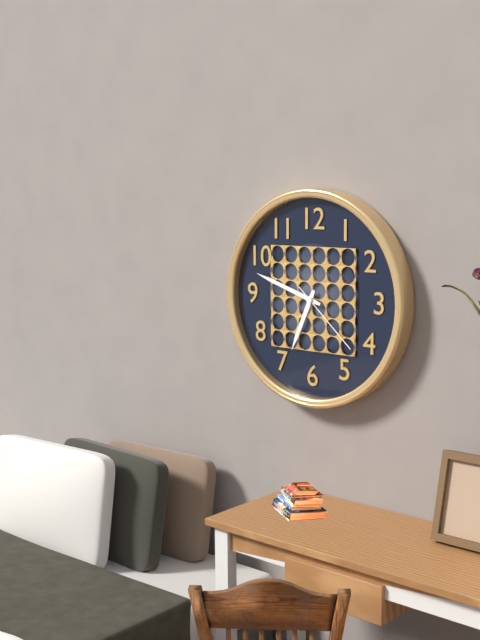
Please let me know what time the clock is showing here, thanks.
6:48:22
